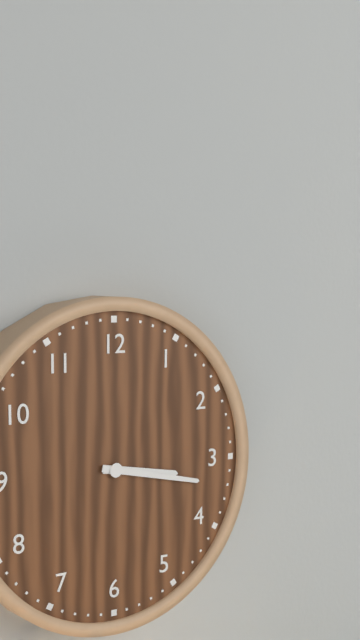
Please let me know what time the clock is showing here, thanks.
3:17
